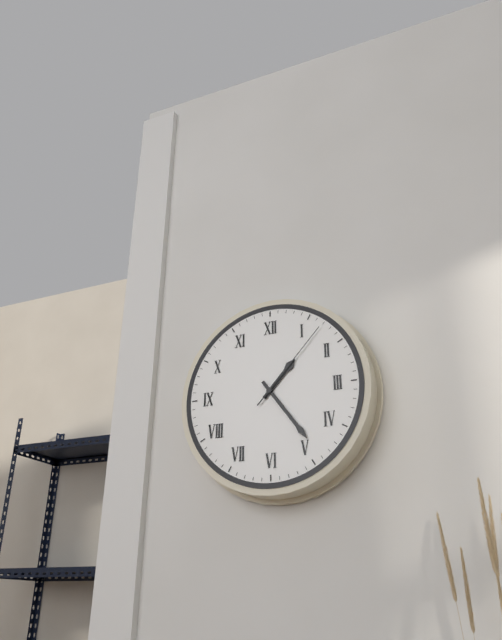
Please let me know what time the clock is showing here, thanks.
1:24:07
